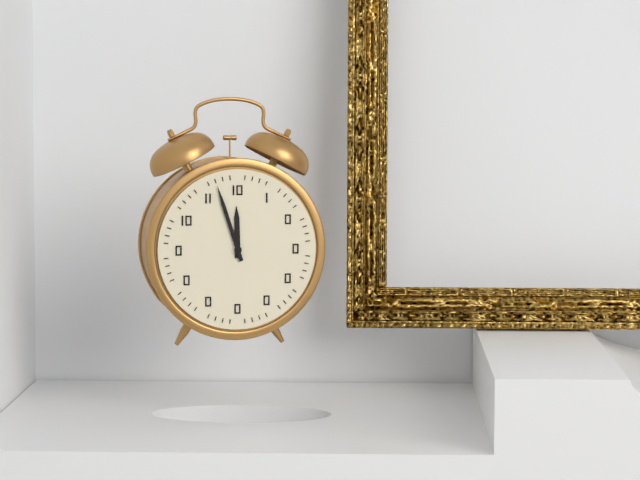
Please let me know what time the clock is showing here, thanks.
11:57
